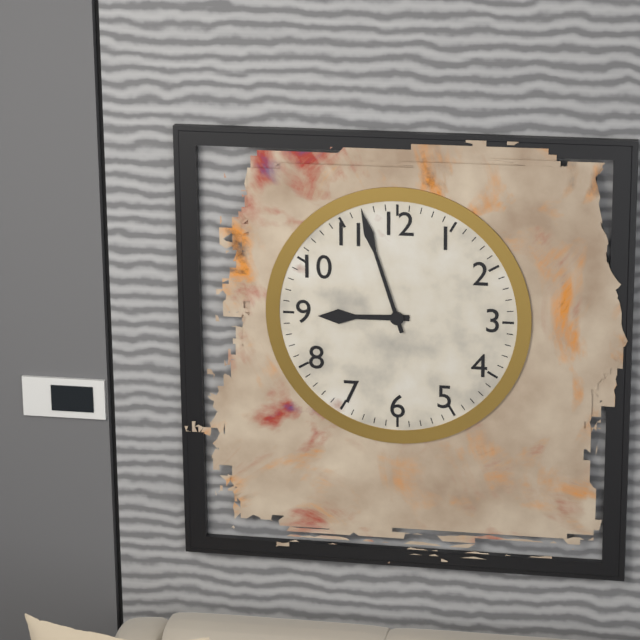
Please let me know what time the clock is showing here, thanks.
8:57
